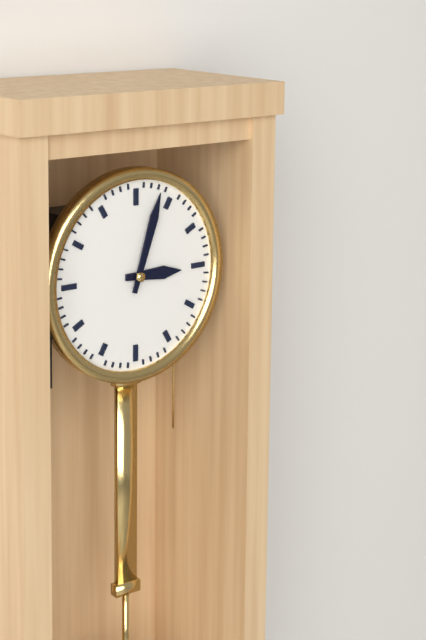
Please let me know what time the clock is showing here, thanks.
3:03
